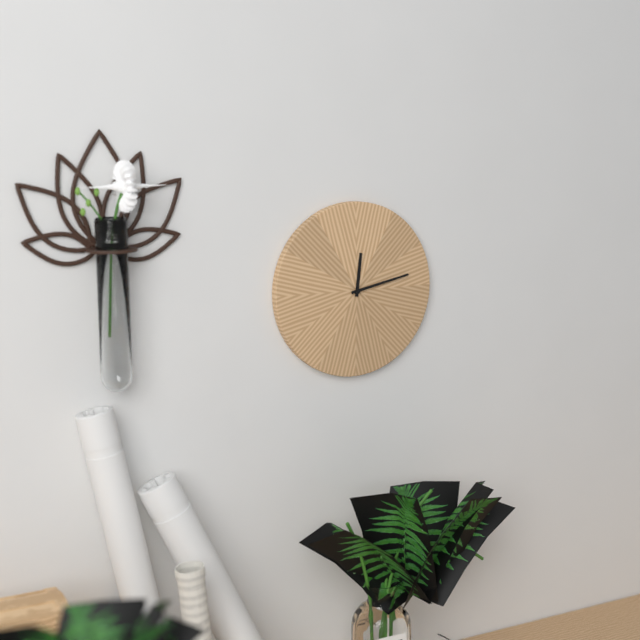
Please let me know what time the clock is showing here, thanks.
12:13
